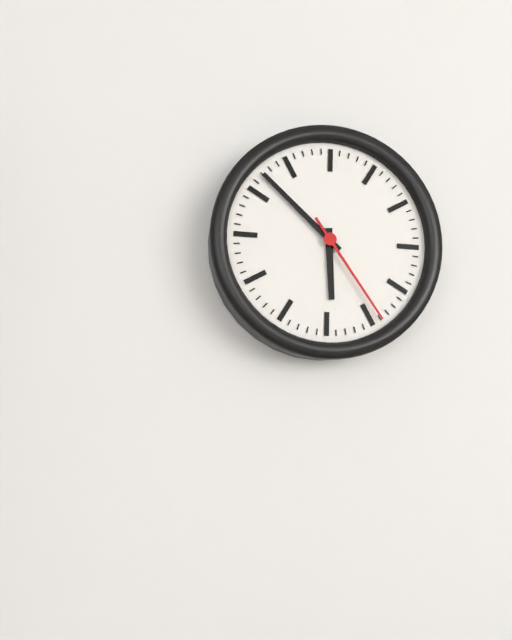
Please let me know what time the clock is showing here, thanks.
5:52:24
